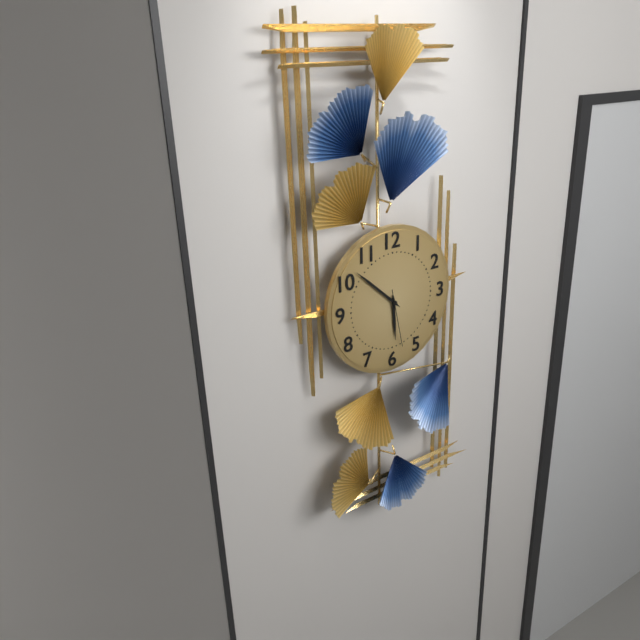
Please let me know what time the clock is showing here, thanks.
5:52:28
